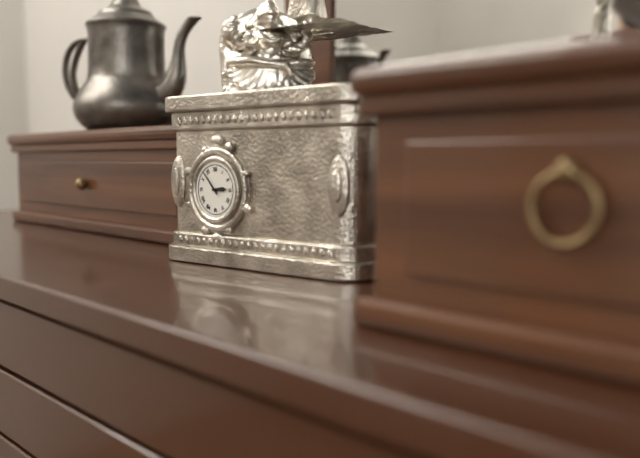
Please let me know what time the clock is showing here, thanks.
2:53
